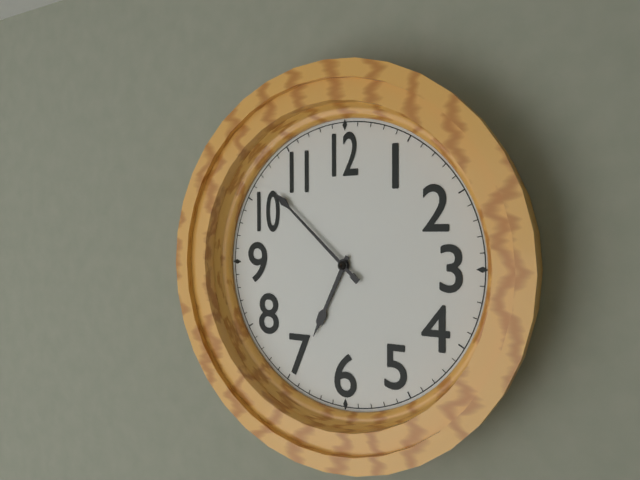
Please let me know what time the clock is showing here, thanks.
6:52
